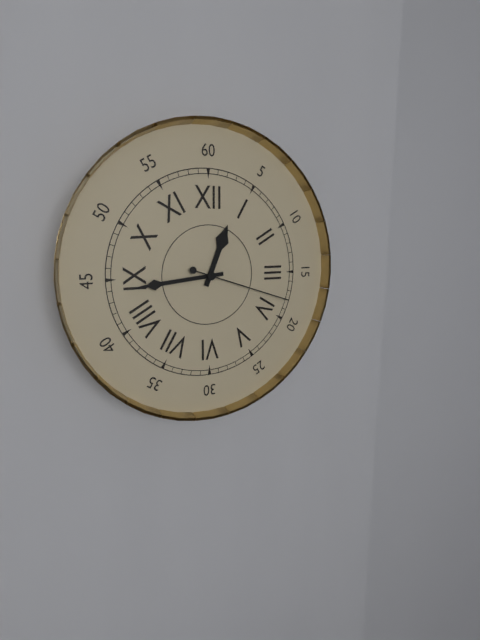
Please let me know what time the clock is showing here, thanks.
12:44:18
